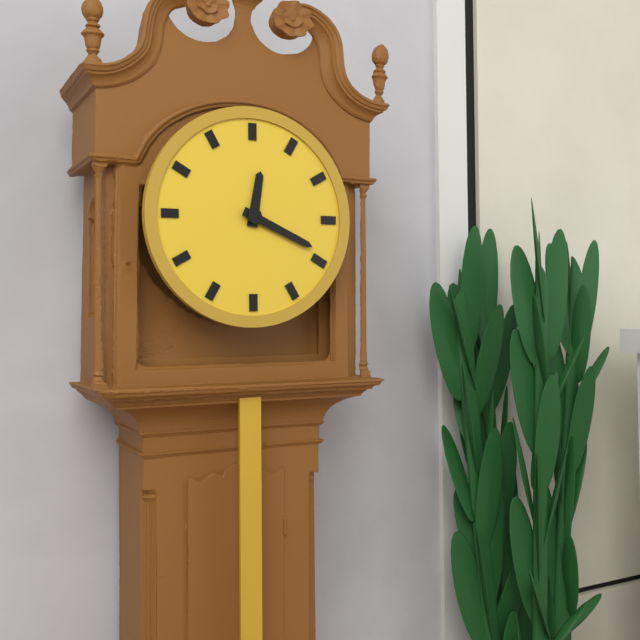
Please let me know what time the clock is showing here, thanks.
12:19
